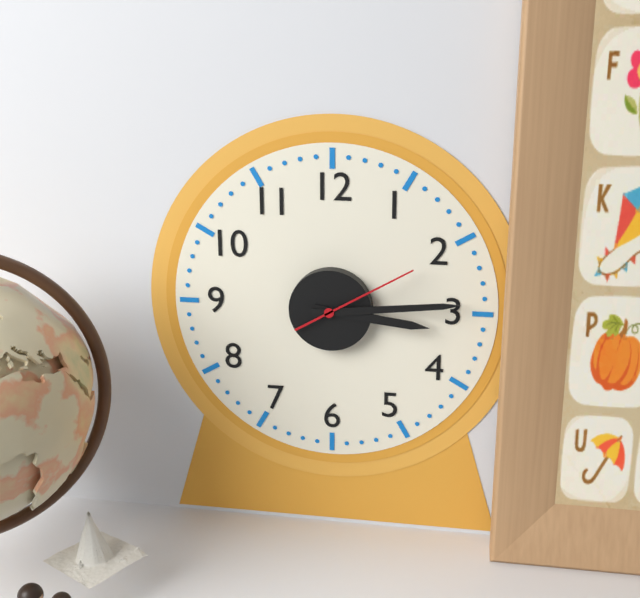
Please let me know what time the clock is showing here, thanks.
3:14:10
